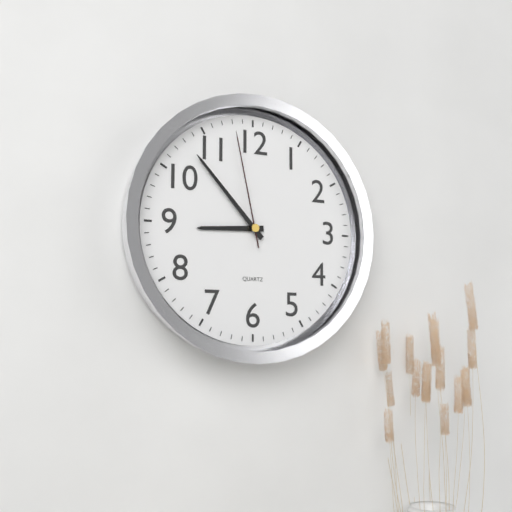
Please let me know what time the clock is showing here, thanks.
8:53:58
